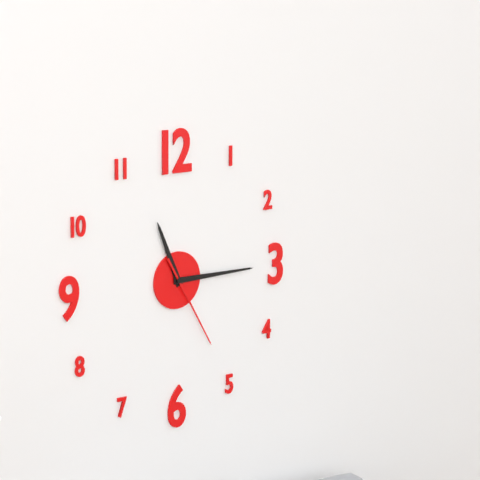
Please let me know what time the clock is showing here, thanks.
11:15:25
